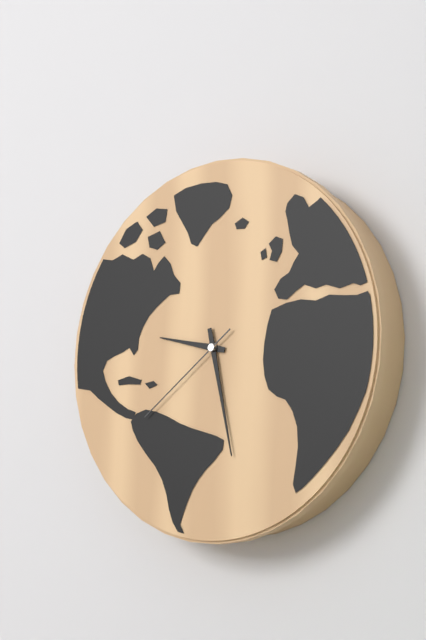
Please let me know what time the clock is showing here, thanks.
9:28:39
